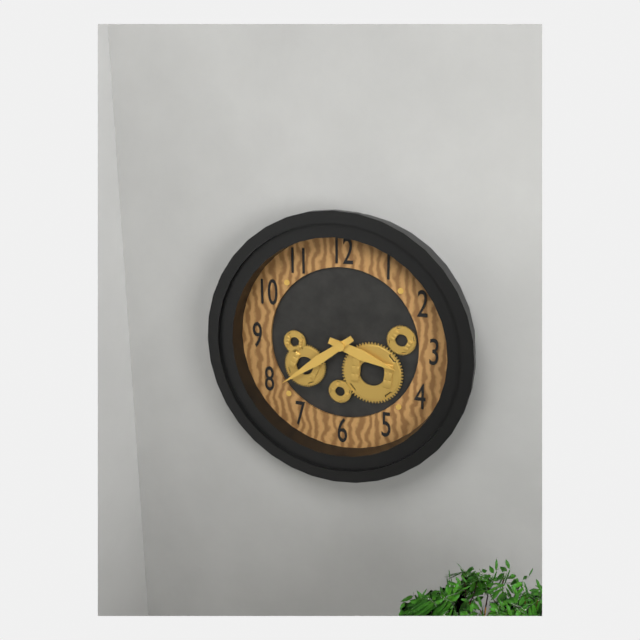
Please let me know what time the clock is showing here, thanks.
3:39
